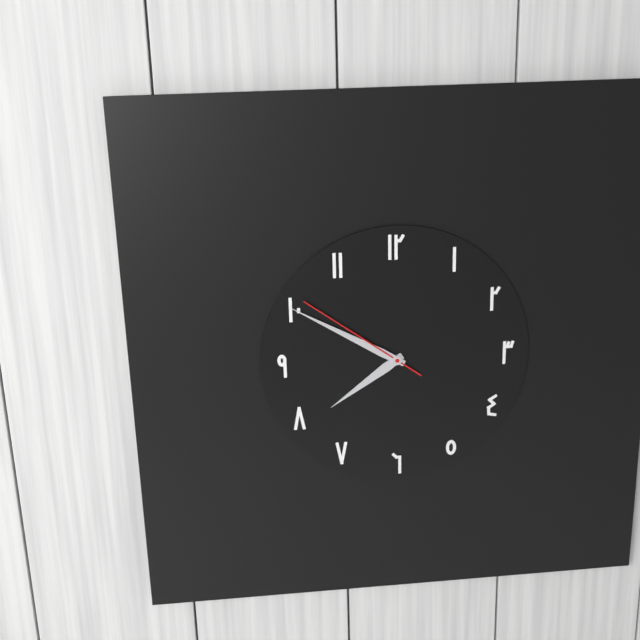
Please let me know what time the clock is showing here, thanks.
7:50:51
